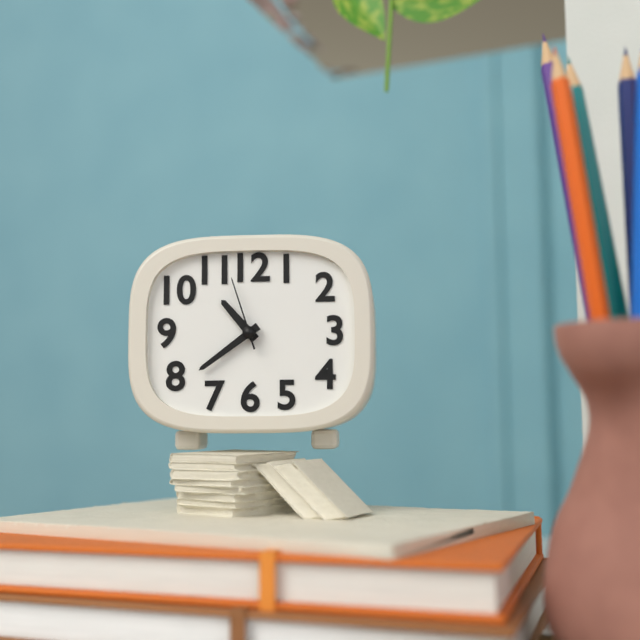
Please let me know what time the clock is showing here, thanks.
10:39:57
